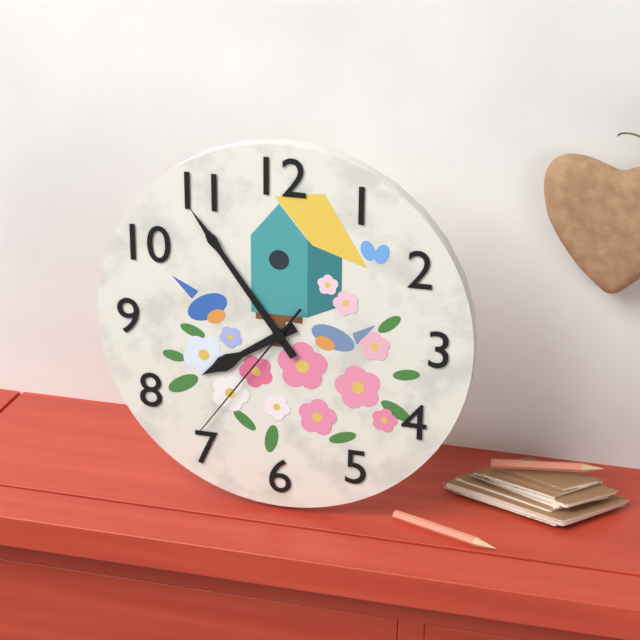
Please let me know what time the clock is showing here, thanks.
7:54:36
